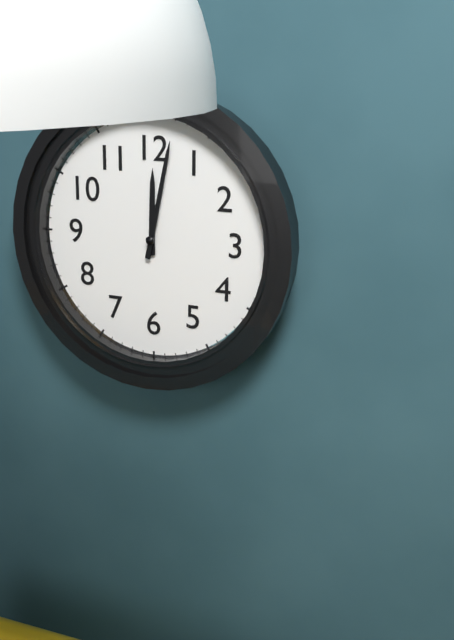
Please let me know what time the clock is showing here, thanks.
12:02
